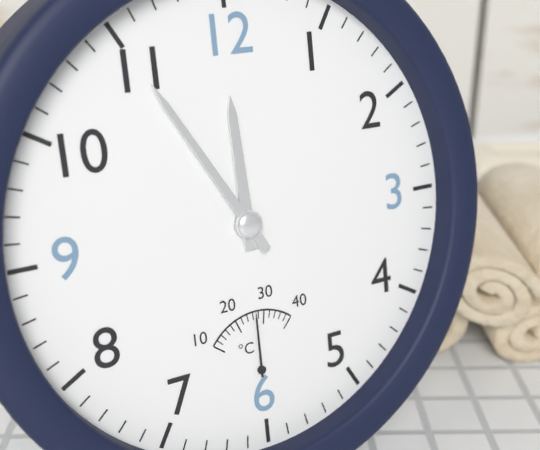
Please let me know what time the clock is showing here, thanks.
11:55
